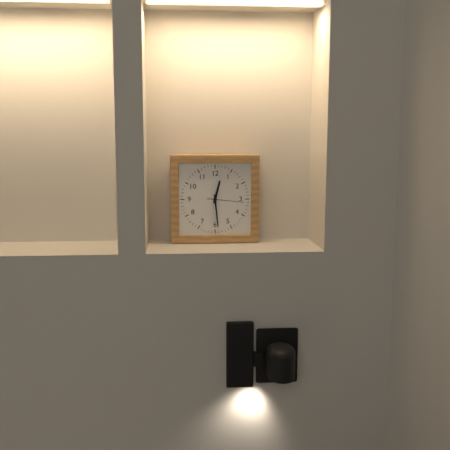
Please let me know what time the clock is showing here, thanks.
12:29
